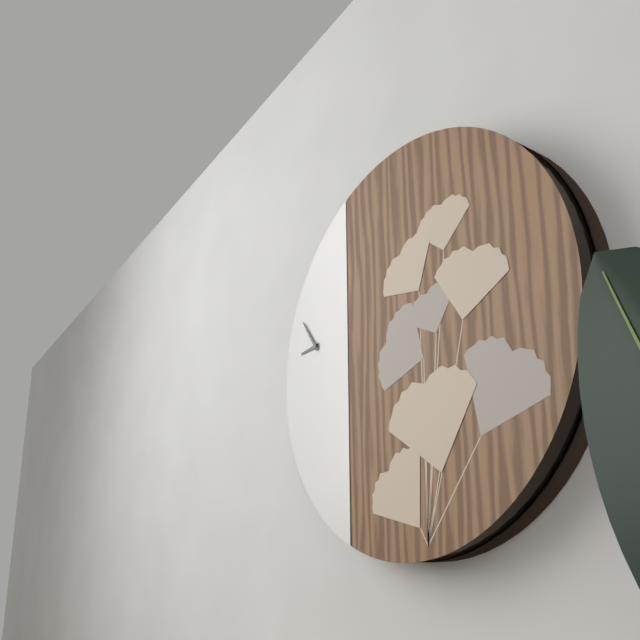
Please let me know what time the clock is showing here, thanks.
8:54
